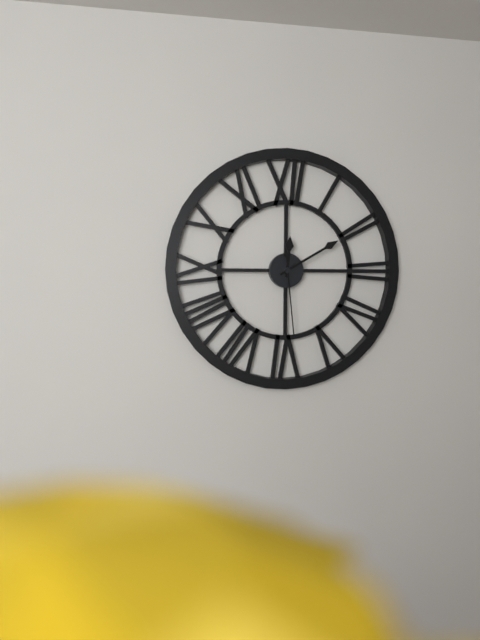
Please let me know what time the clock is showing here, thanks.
12:10:29
